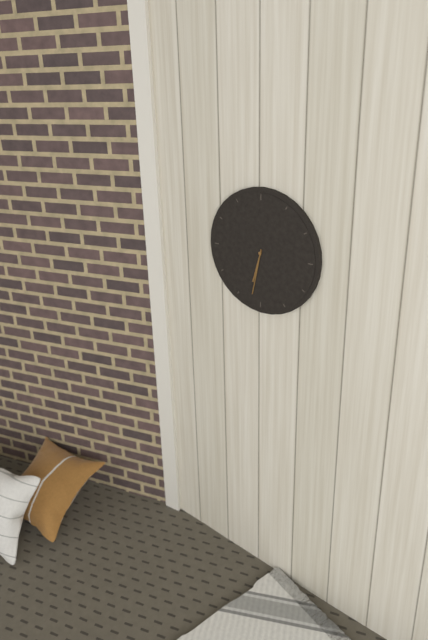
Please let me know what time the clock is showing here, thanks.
6:32
